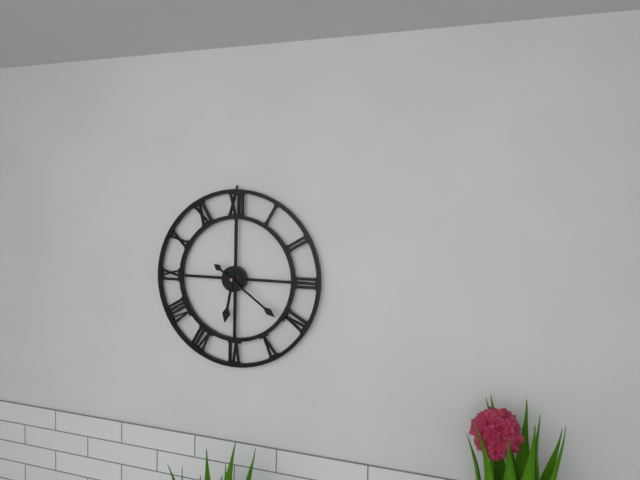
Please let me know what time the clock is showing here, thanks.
6:21
